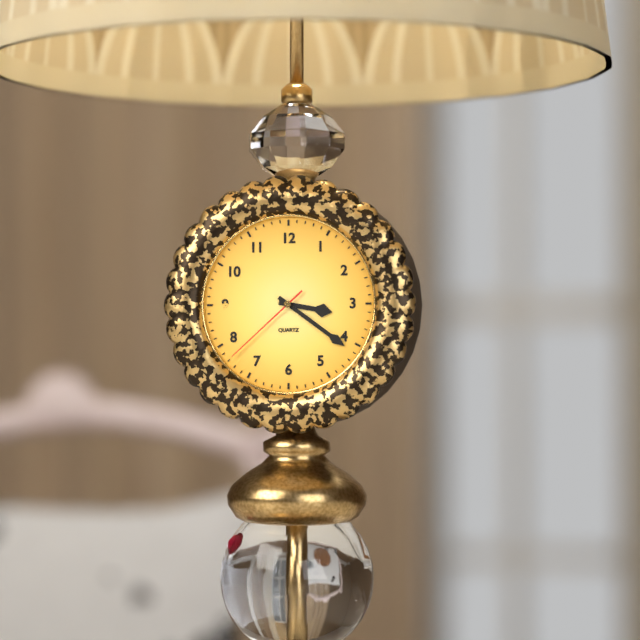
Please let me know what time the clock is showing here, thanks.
3:21:38
